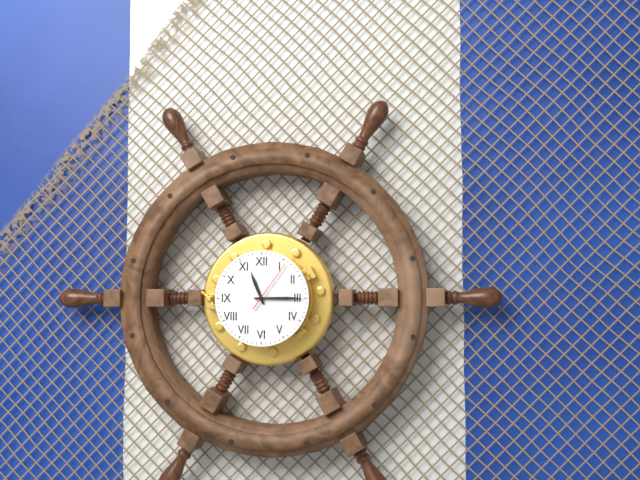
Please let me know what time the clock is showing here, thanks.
11:15:06
